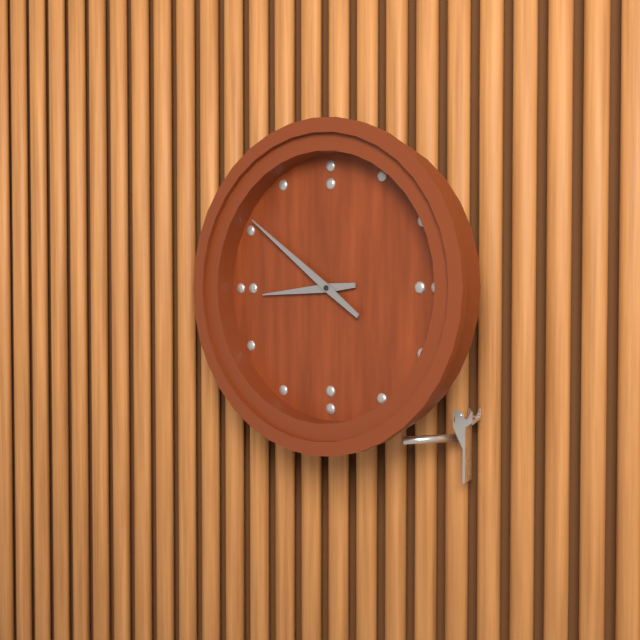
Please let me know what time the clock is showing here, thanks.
8:51
